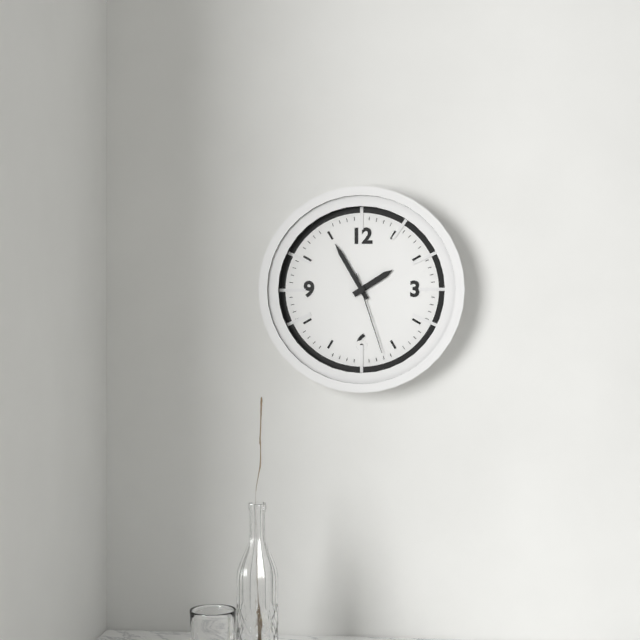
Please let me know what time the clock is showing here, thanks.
1:55:27
